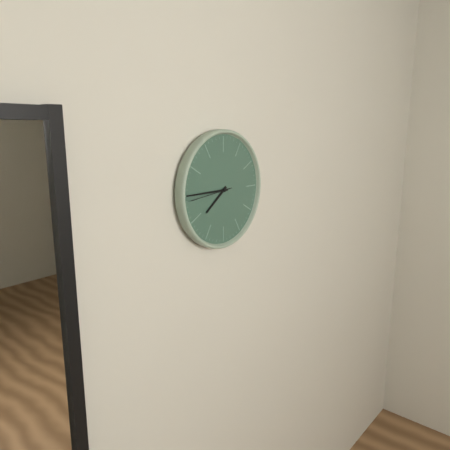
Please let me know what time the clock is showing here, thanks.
7:45
